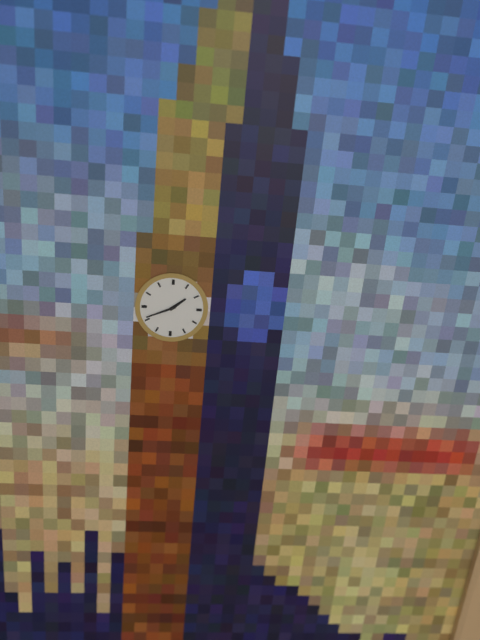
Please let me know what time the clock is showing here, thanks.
1:41
